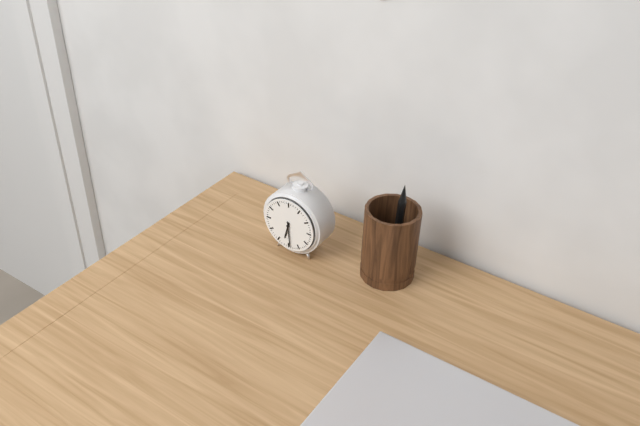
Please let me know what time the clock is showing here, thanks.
6:29
